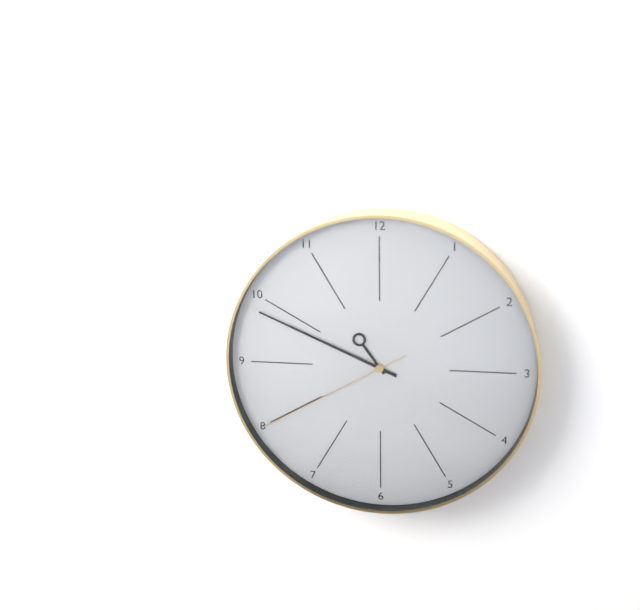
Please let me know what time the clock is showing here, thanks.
10:49:40
